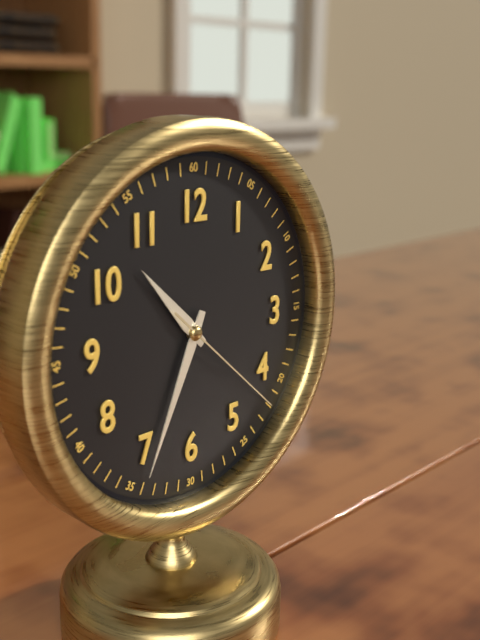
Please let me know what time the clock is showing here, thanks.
10:34:22
